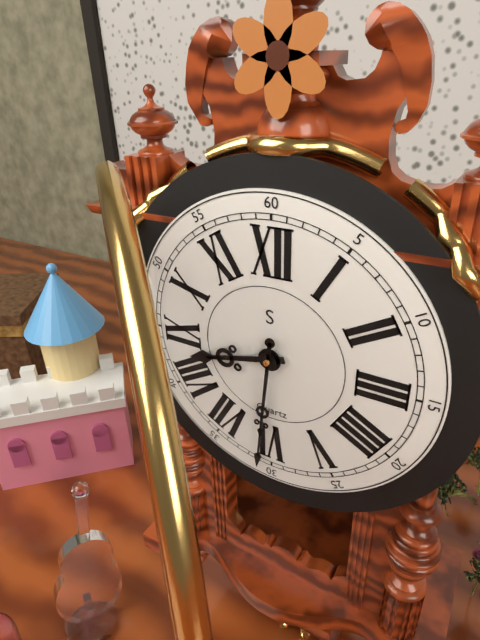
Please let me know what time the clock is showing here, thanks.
8:31
